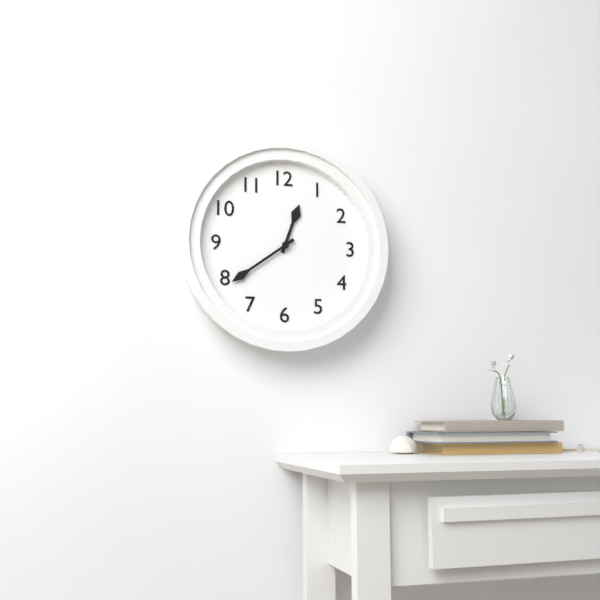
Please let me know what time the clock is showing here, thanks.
12:39
